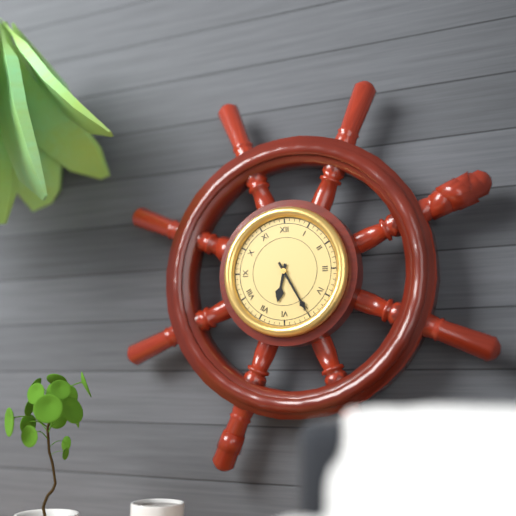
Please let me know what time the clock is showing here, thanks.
6:25
